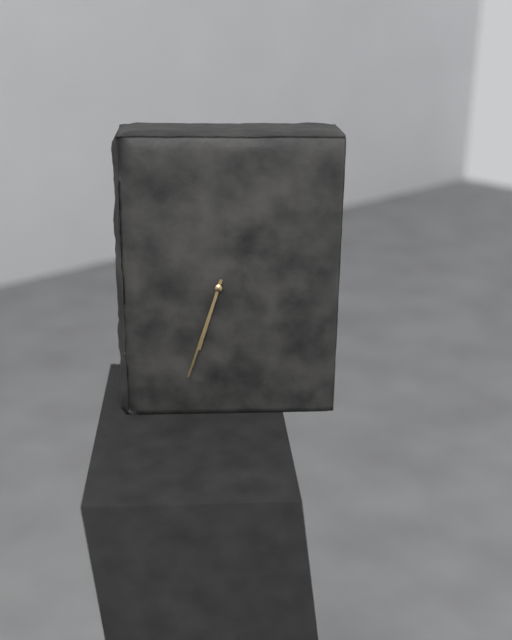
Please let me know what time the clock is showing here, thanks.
6:33
